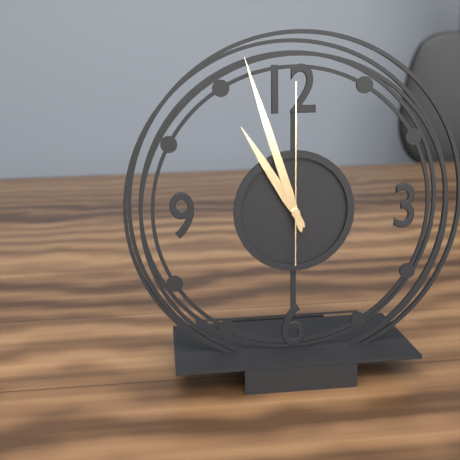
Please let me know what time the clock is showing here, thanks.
10:57:00
